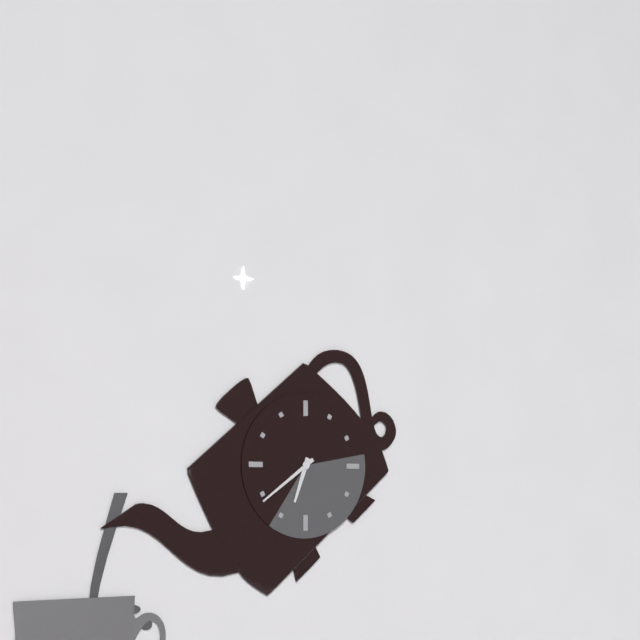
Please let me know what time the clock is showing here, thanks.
6:39
